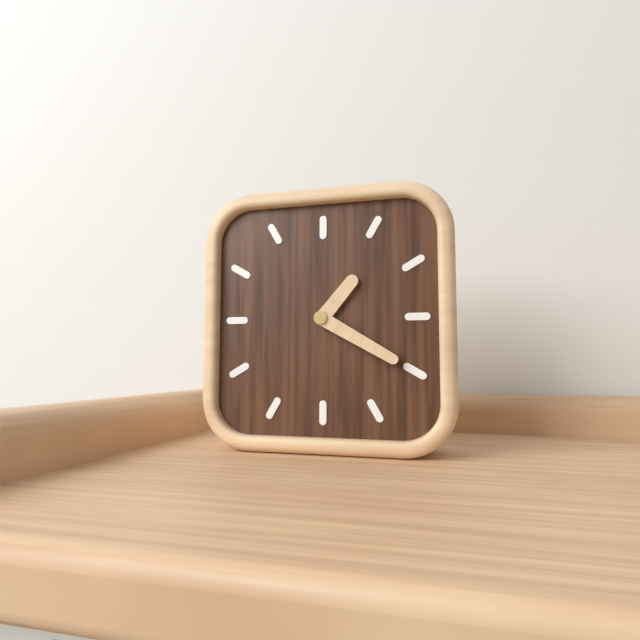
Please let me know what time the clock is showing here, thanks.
1:20
